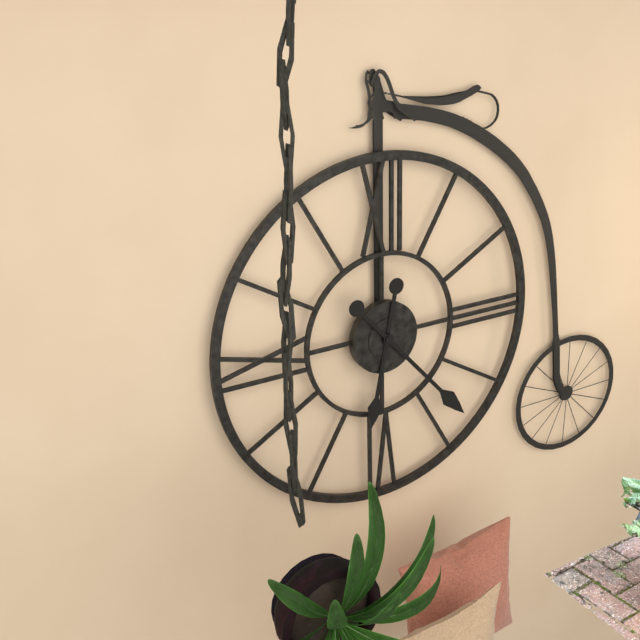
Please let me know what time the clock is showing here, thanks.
6:23
